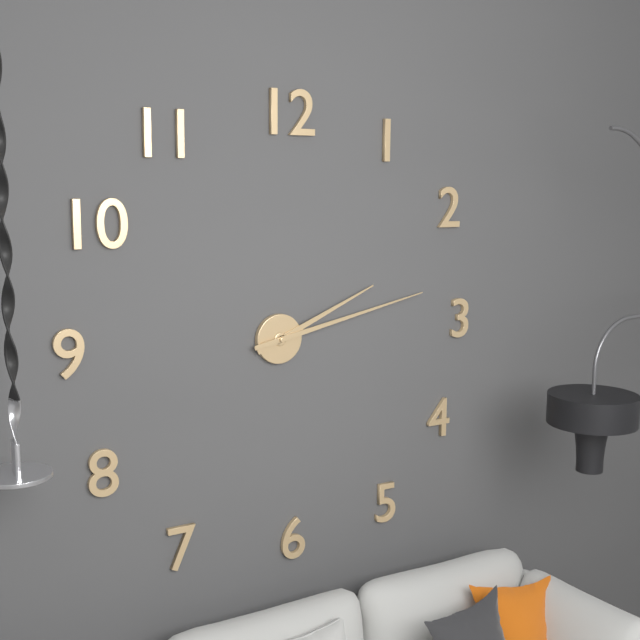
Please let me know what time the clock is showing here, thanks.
2:13
